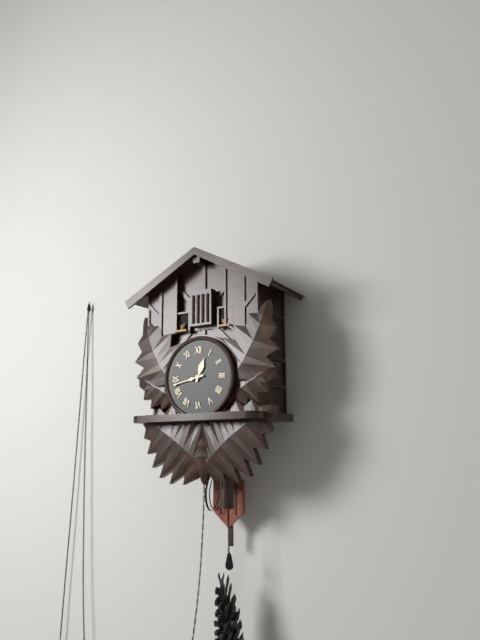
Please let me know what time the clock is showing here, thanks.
12:43
